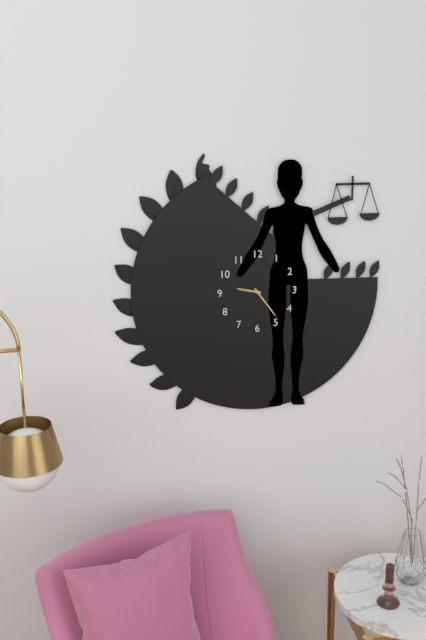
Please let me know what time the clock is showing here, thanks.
9:24
